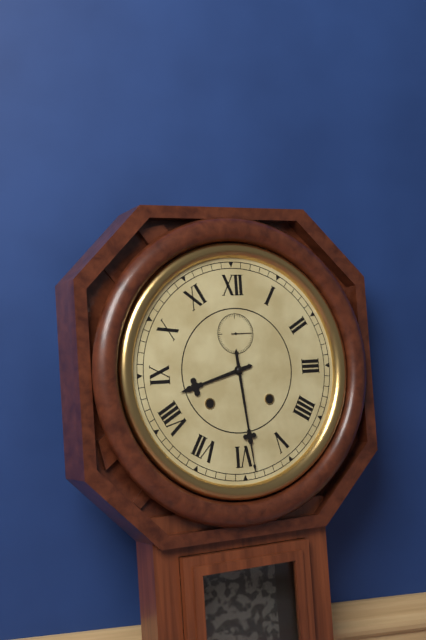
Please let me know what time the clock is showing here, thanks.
8:29
